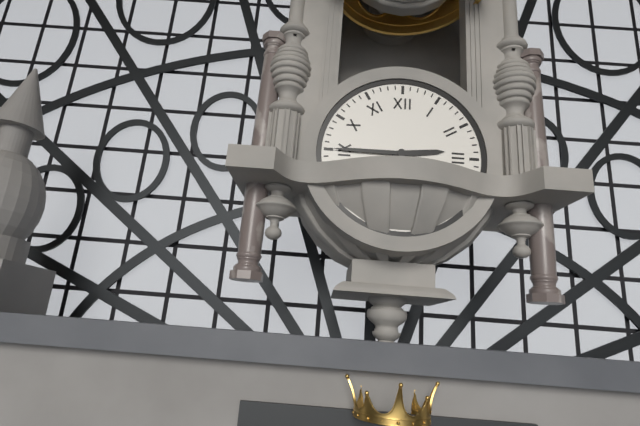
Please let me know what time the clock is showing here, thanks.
2:45
